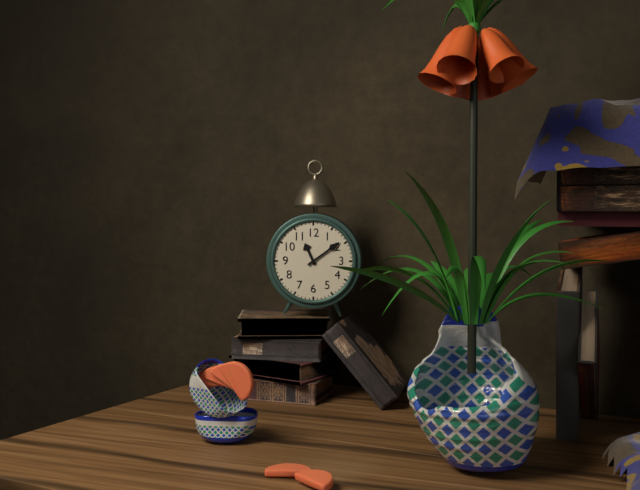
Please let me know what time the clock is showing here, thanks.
11:09
